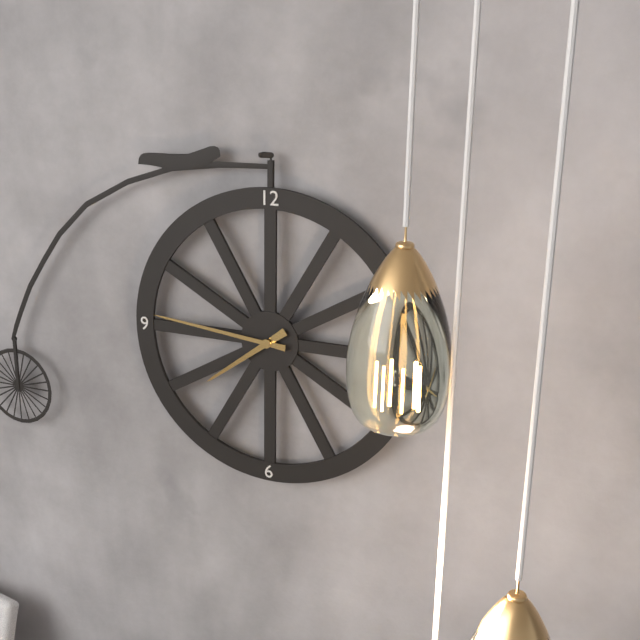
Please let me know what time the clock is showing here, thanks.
7:46
